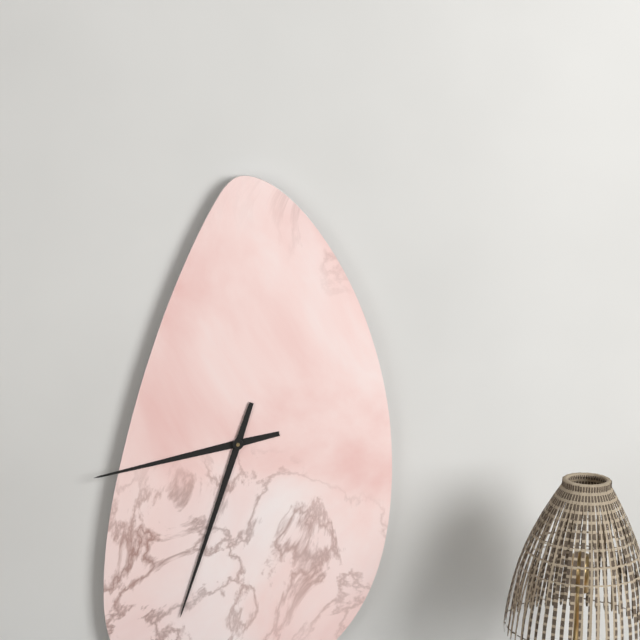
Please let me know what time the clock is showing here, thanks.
8:33
